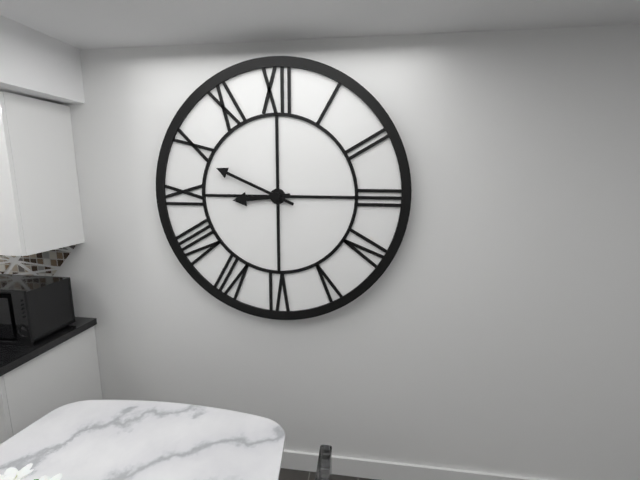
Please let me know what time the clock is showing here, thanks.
8:49
